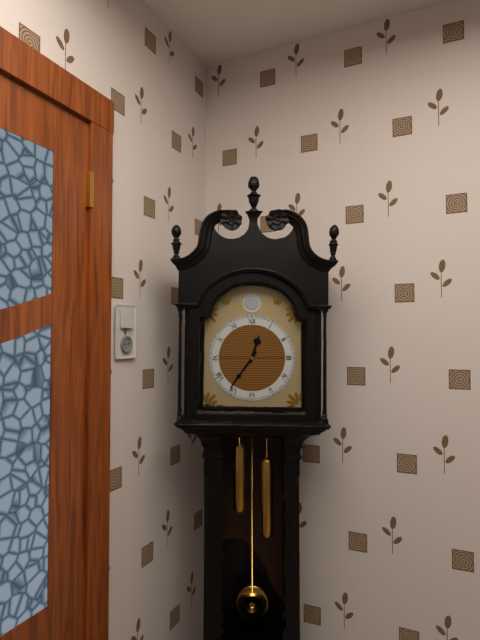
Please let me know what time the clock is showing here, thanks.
12:36
